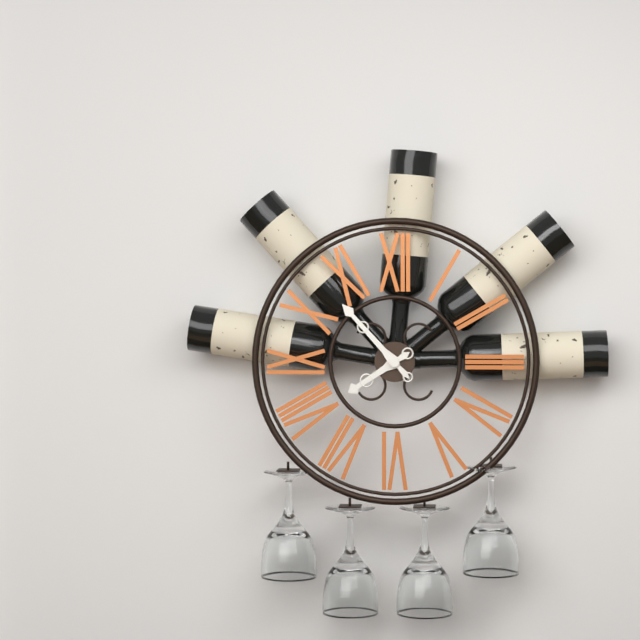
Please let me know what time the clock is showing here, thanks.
7:53
